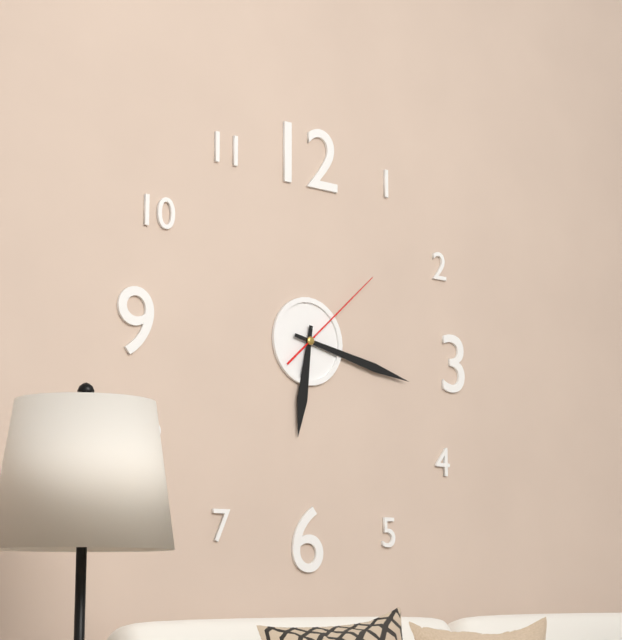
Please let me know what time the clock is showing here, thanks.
6:17:08
